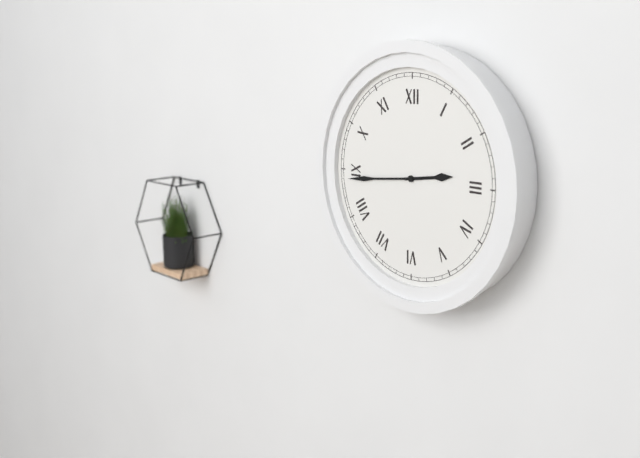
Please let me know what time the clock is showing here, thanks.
2:44
